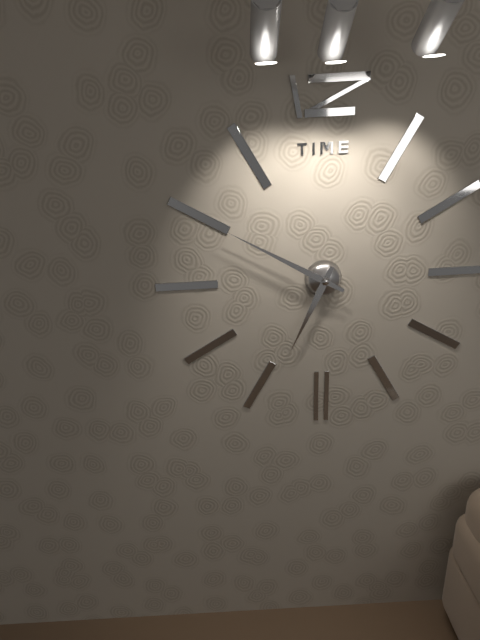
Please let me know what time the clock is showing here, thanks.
6:50
